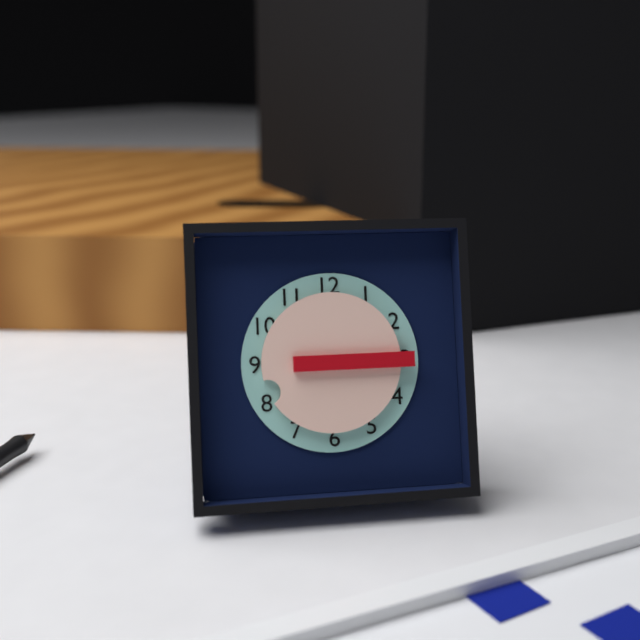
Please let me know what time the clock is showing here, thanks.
8:15
